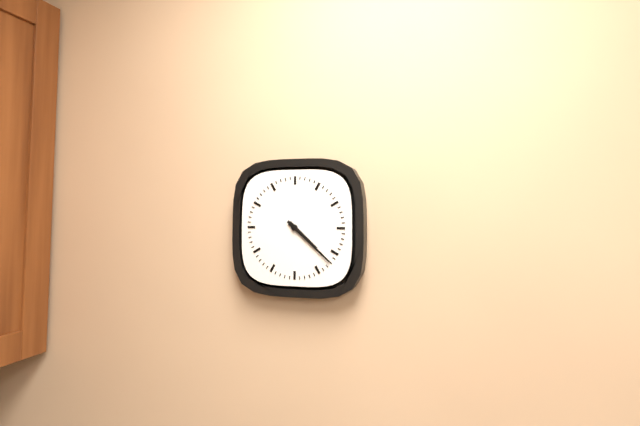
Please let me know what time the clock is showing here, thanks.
4:22
